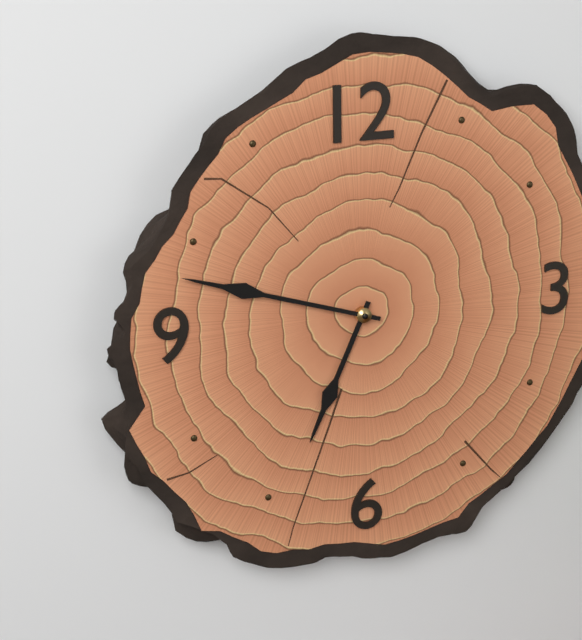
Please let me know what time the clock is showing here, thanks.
6:48
